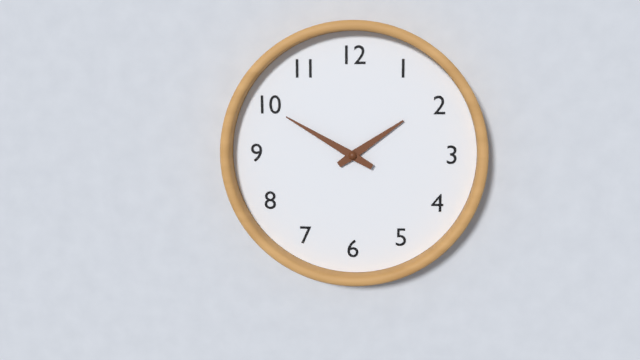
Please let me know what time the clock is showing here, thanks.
1:50
